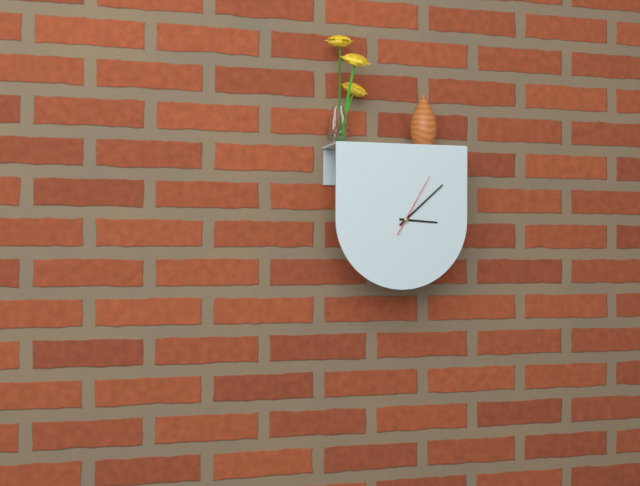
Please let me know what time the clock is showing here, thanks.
3:08:05
